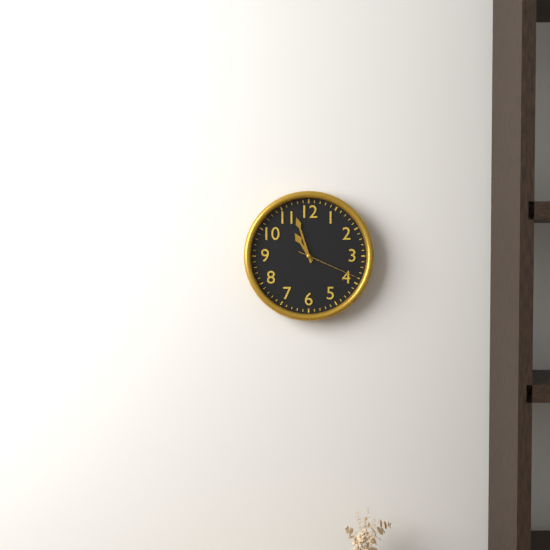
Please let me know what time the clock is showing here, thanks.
10:57:19
